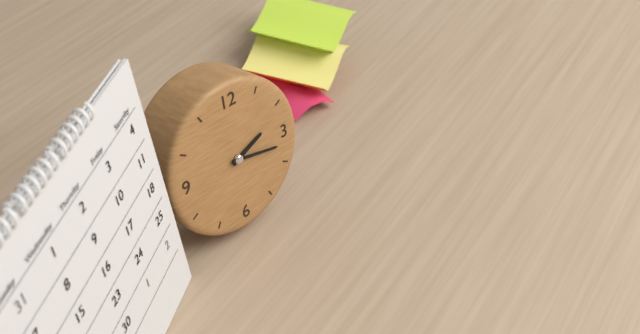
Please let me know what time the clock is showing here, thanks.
2:17
